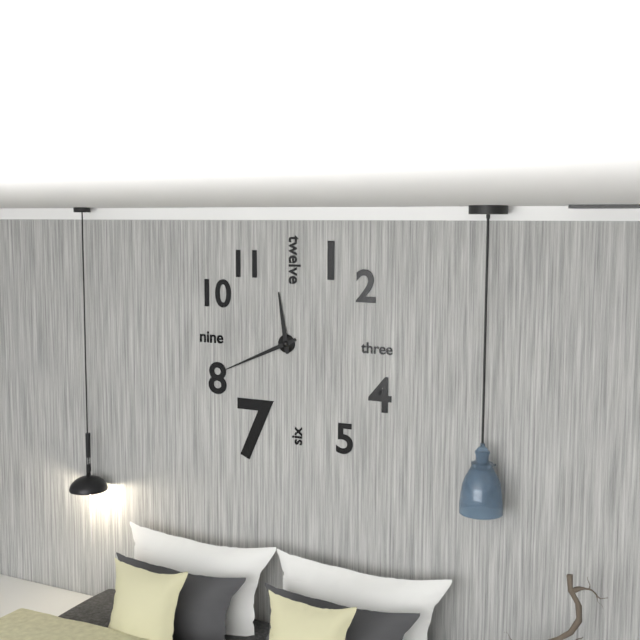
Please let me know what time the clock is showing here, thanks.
11:41
